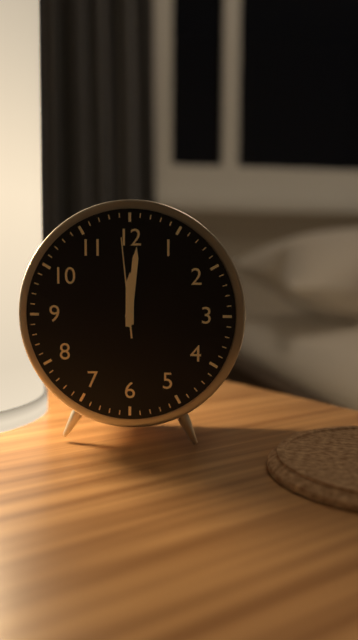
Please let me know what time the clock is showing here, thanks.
12:01:59
